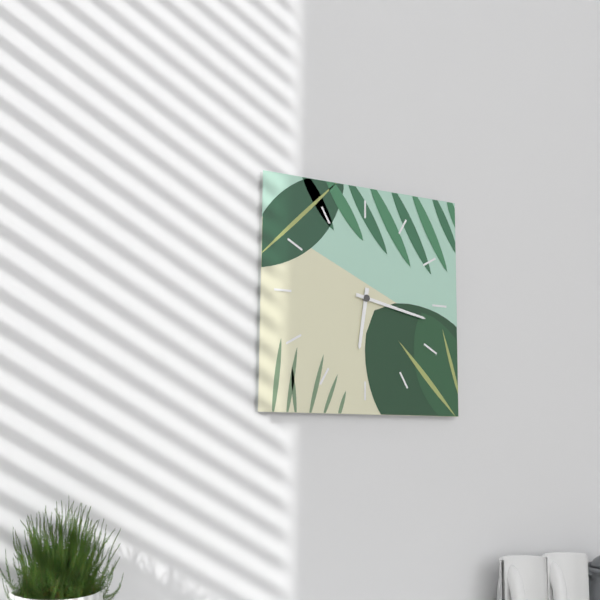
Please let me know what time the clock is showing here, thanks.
6:17
